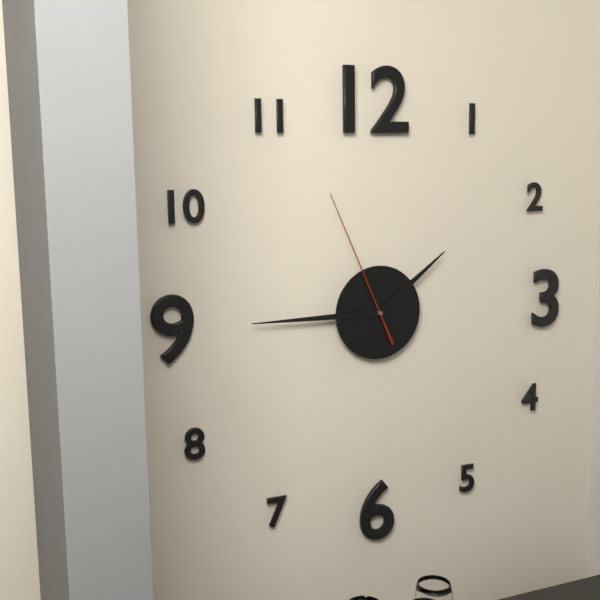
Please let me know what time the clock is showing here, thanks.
1:45:56
